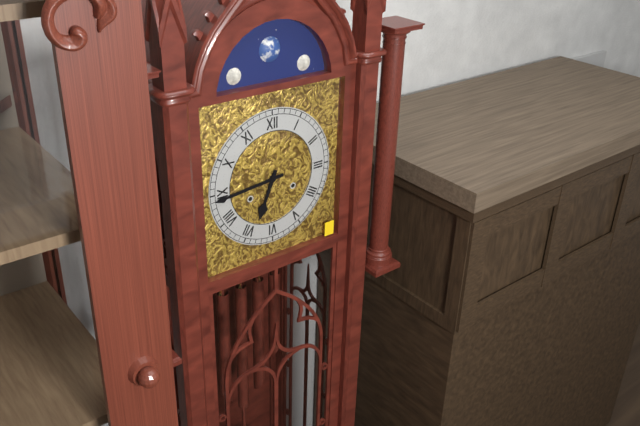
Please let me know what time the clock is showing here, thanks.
6:44
